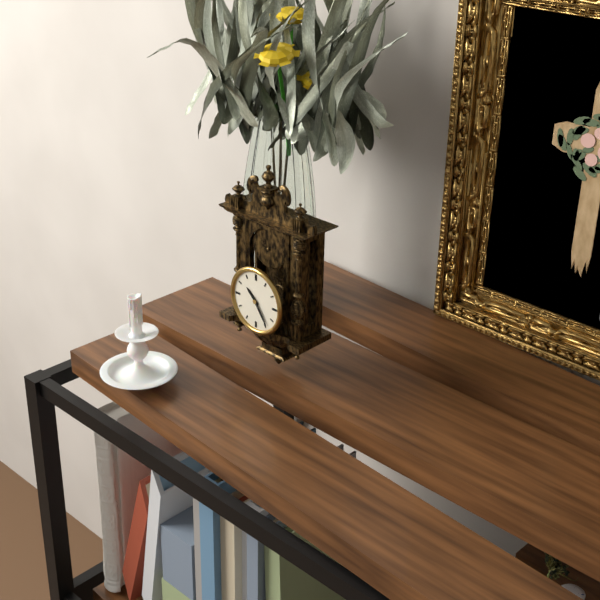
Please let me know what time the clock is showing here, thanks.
10:24
